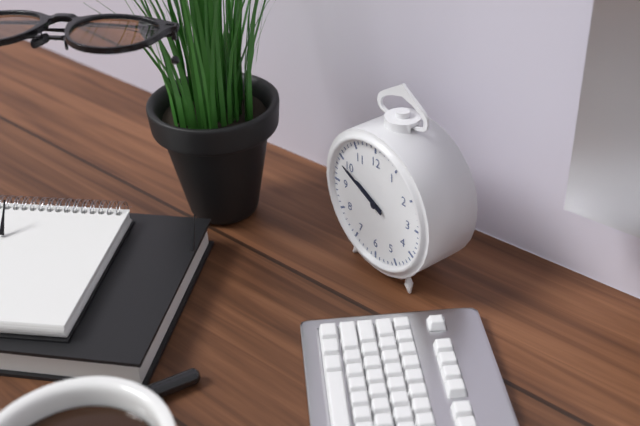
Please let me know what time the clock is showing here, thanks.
9:49
